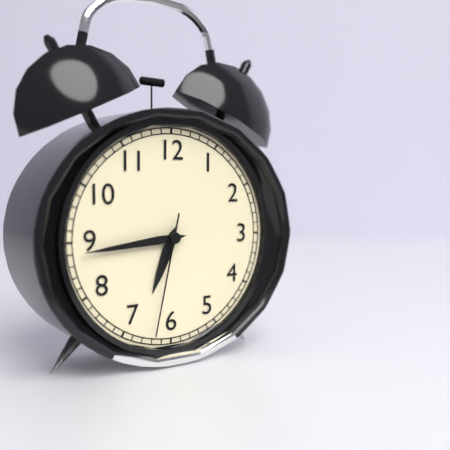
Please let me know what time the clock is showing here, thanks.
6:44:32
